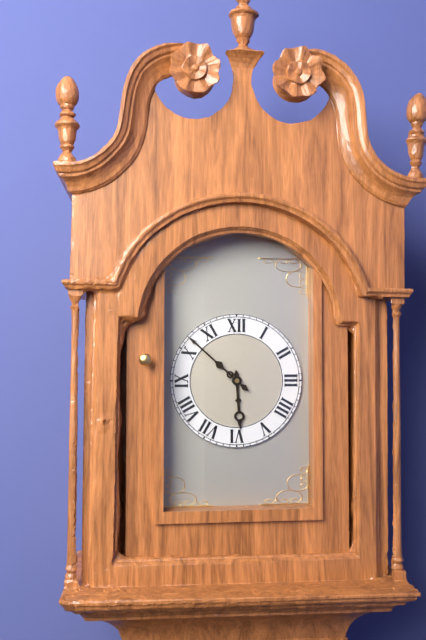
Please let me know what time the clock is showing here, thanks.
5:52
